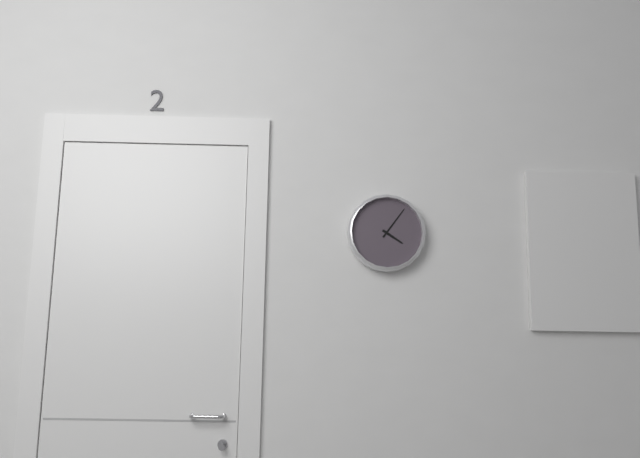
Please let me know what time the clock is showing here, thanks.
4:06
